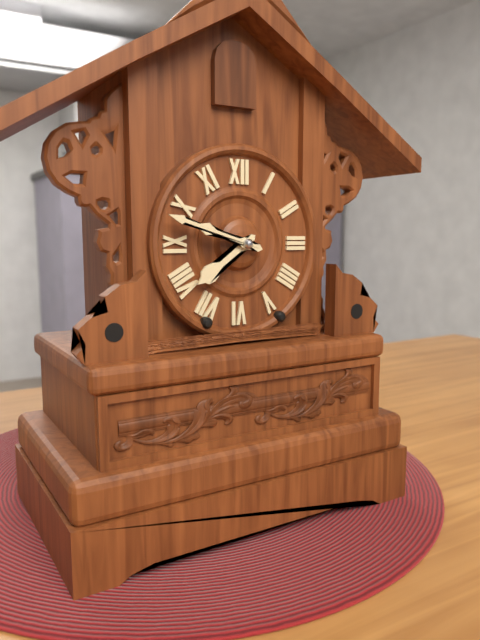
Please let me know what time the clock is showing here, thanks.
7:48
